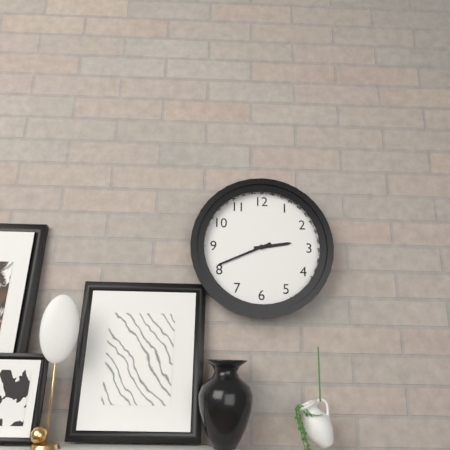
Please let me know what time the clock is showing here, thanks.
2:41
